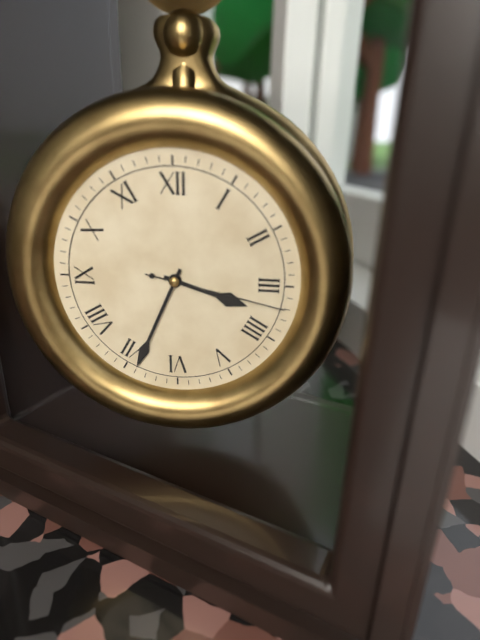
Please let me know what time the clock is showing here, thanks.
3:34:17
